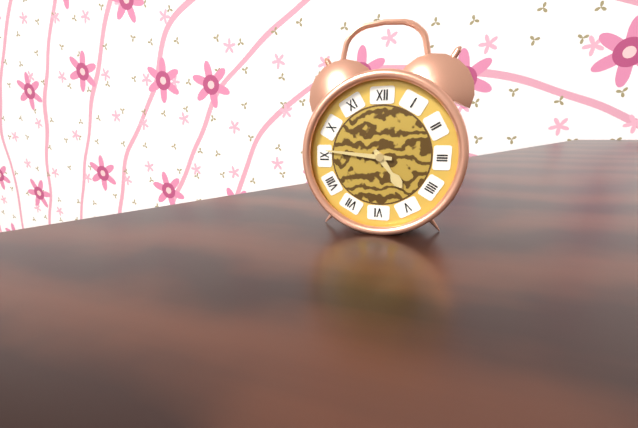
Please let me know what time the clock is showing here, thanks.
4:46
